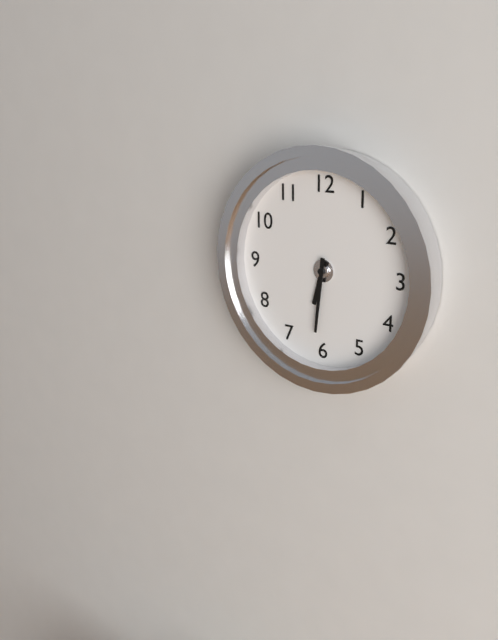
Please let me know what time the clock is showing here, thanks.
6:31
